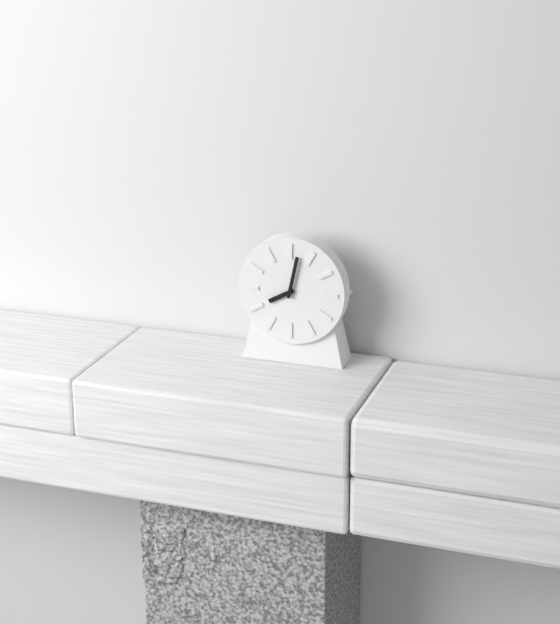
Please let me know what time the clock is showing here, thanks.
8:02
